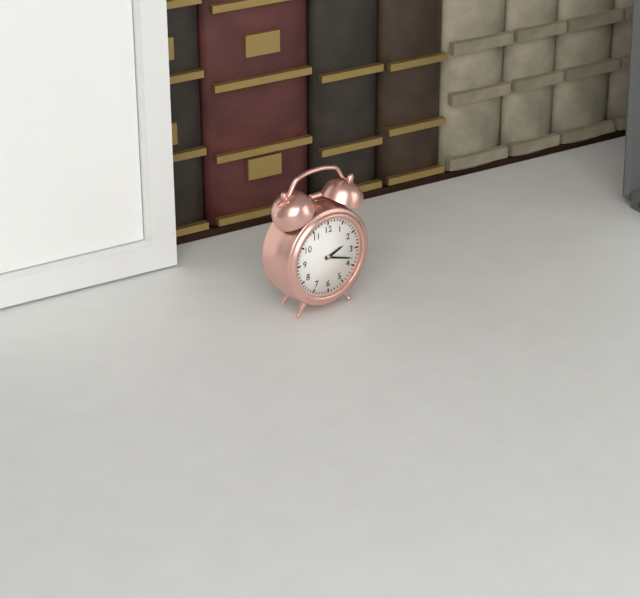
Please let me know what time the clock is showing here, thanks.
2:18
